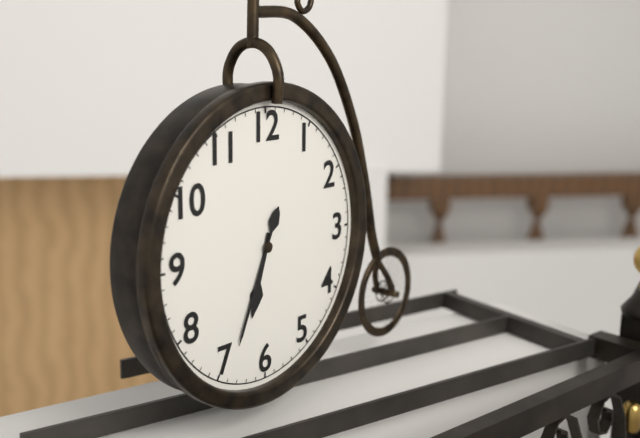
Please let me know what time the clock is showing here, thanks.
6:34
